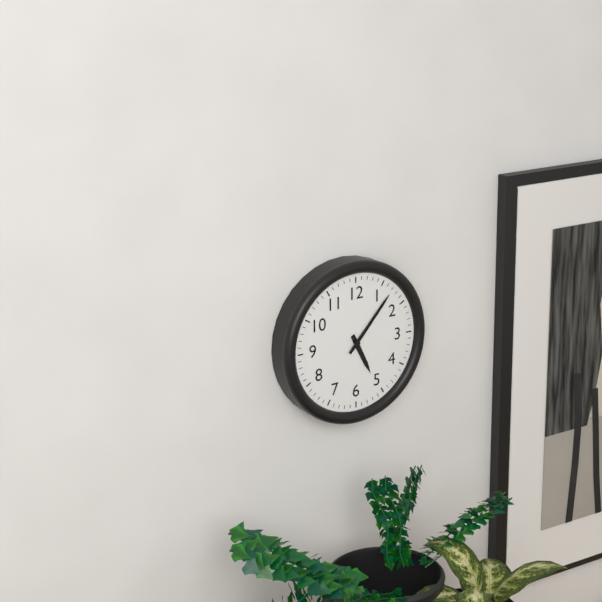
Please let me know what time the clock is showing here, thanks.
5:07
